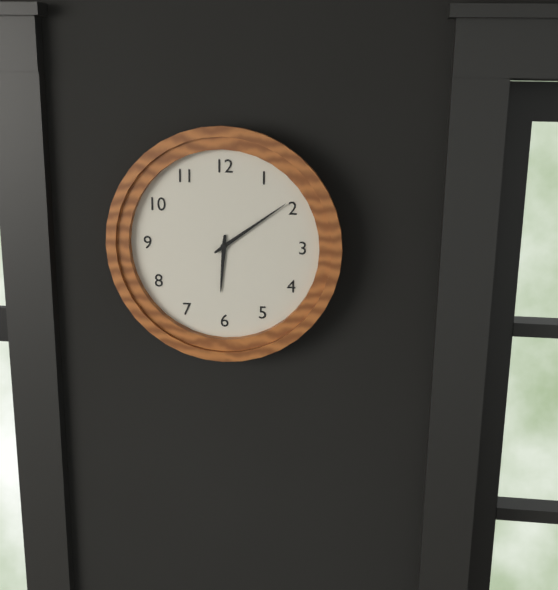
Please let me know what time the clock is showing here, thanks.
6:09
